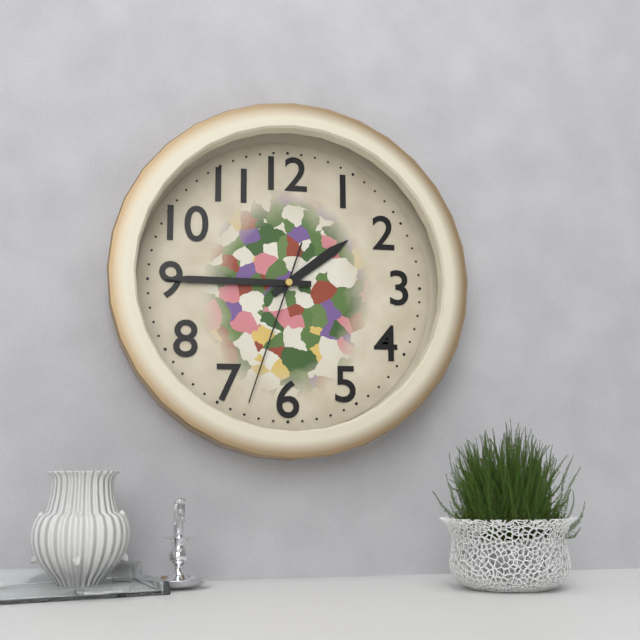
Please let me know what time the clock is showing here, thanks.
1:45:33
